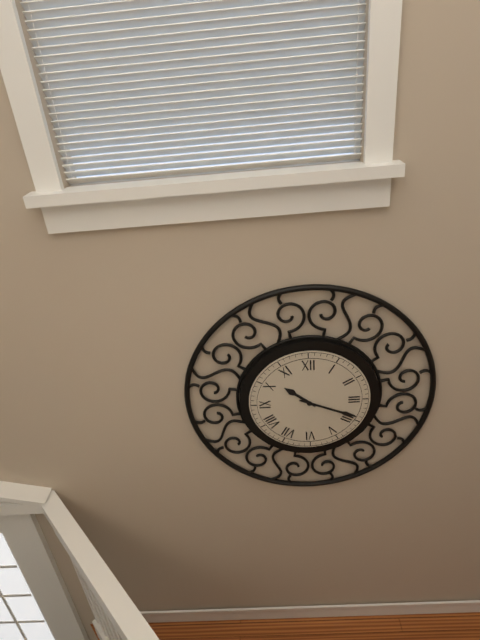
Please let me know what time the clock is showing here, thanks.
10:19
